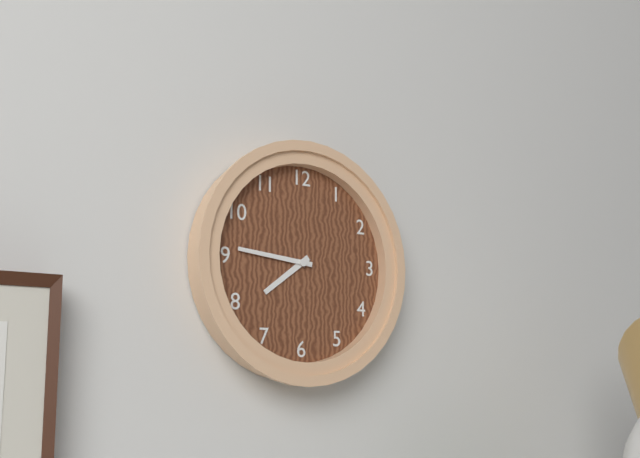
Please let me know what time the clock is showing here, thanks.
7:46
